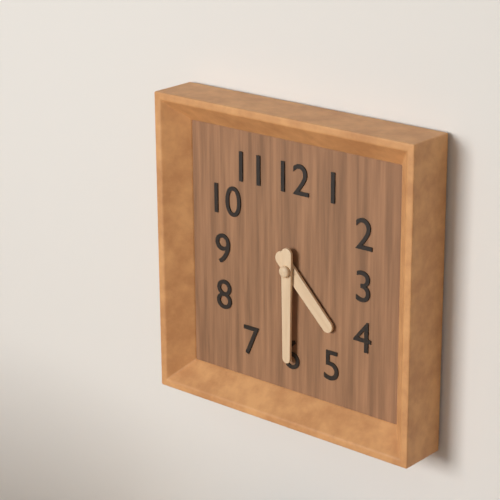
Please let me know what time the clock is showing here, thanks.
4:30
